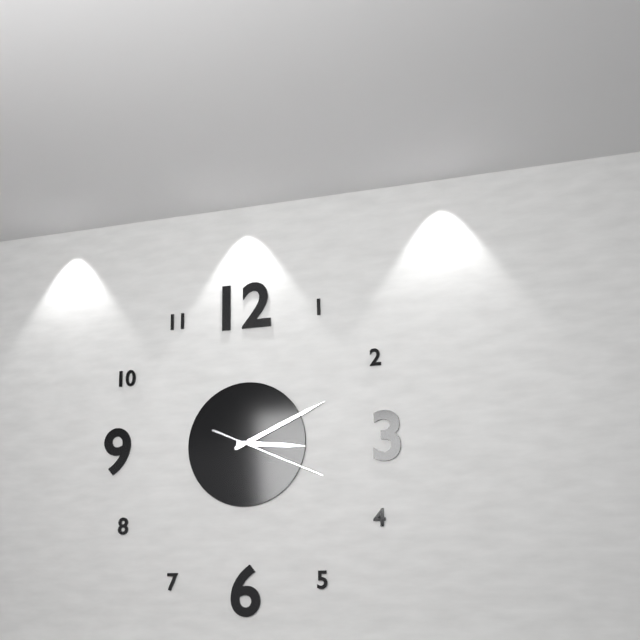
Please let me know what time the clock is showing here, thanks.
3:11:19
